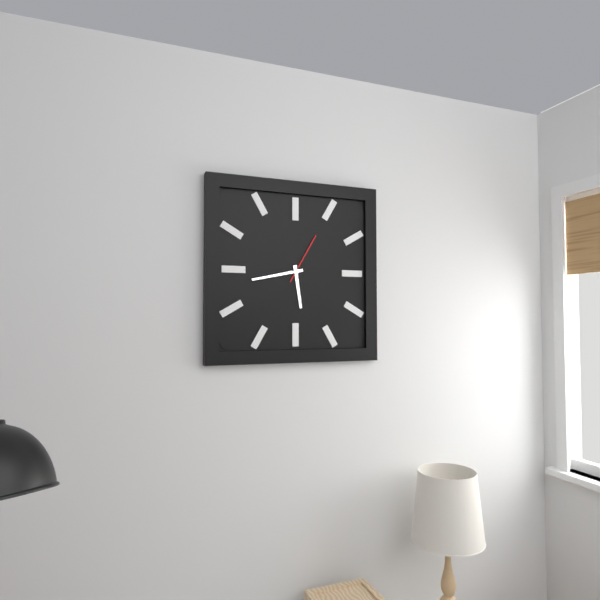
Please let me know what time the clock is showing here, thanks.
5:43:05
